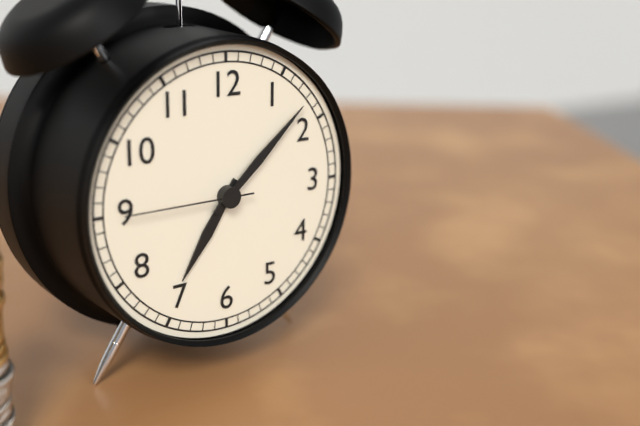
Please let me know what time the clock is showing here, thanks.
7:08:45
